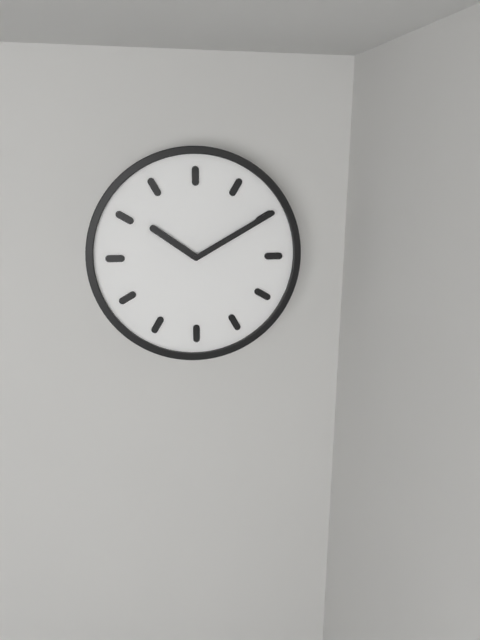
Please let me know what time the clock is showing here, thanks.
10:10
